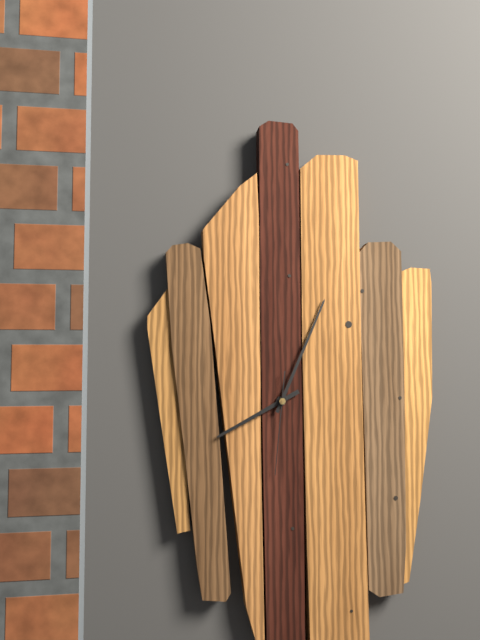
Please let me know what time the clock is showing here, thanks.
8:04:31
